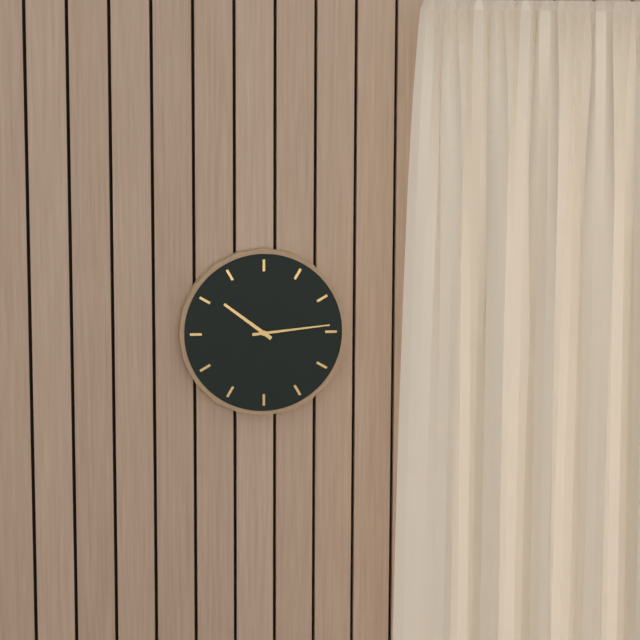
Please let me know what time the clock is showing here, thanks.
10:14
